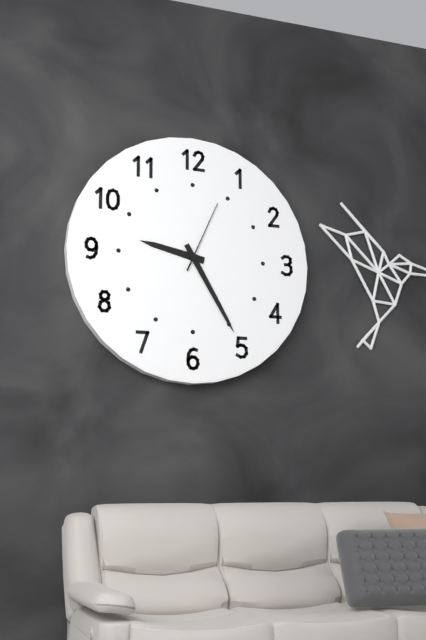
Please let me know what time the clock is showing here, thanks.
9:25:04
